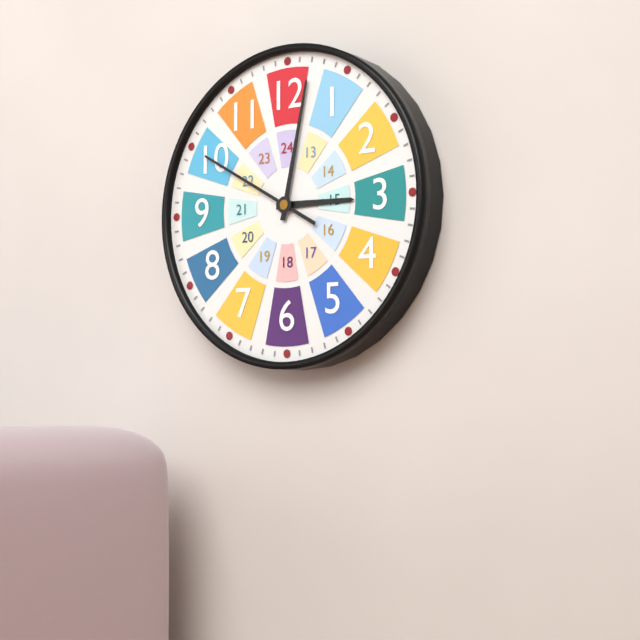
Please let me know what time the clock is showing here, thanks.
3:02:50
